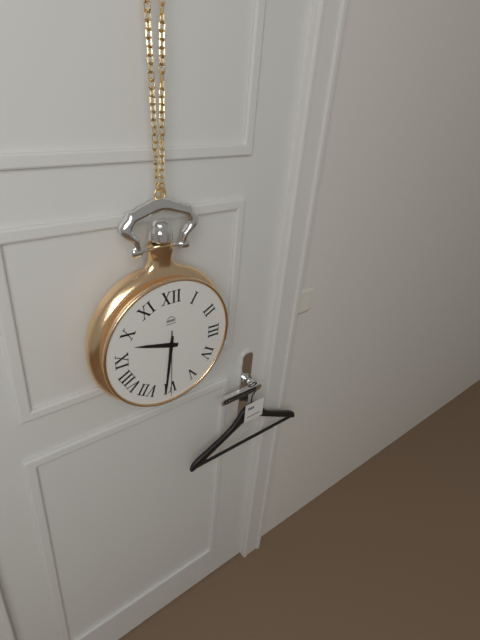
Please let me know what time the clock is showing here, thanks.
9:31:30
